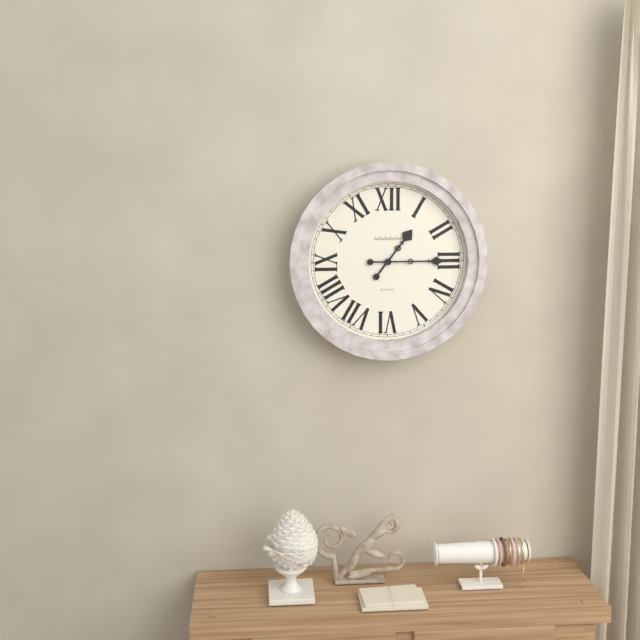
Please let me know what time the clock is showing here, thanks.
1:15
